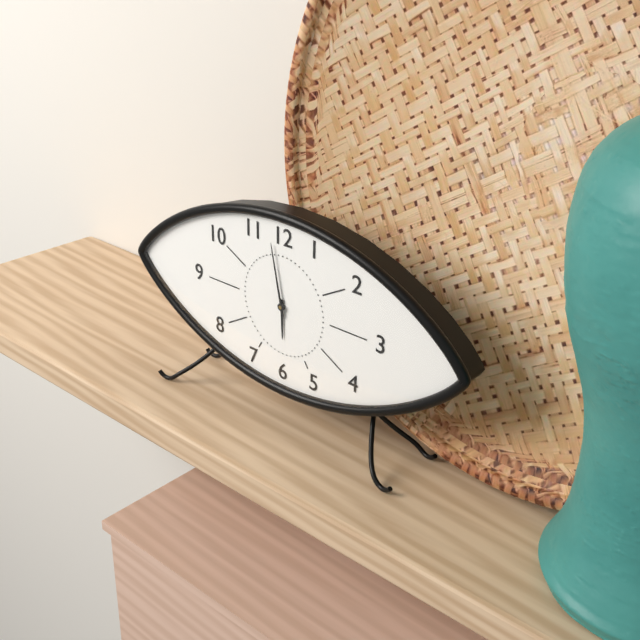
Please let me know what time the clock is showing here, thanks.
5:58
